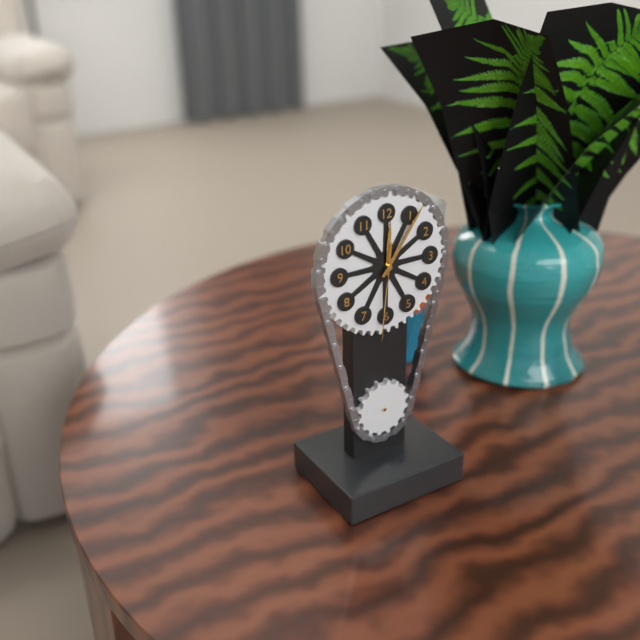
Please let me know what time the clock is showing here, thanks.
12:06:31
